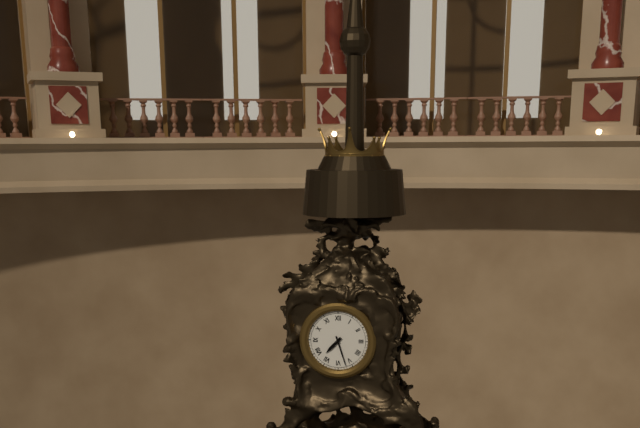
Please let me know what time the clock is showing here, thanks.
7:27
